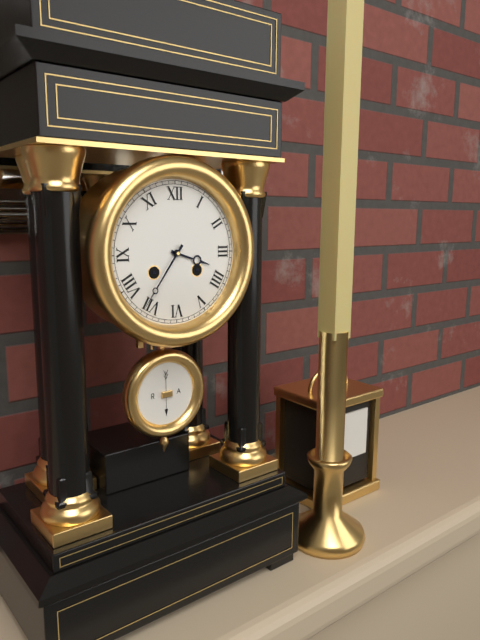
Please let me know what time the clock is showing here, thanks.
3:36
